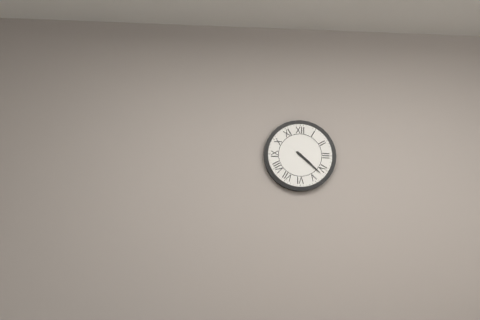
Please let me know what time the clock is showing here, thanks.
4:22
